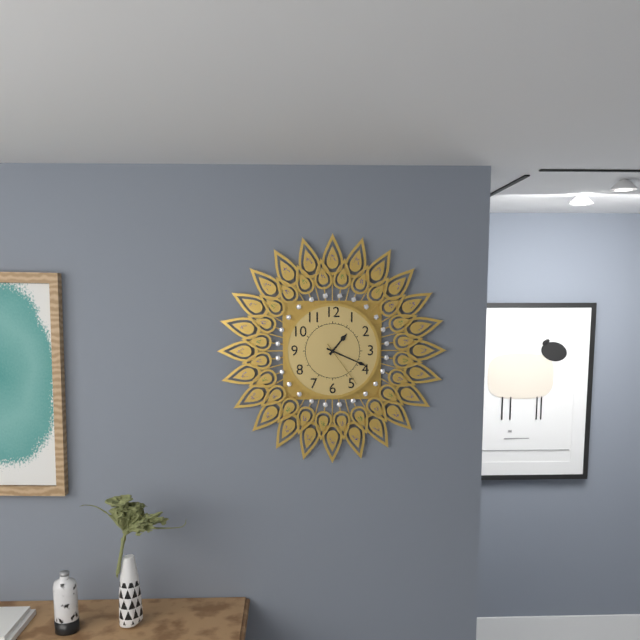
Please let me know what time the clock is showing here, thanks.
1:19:24
